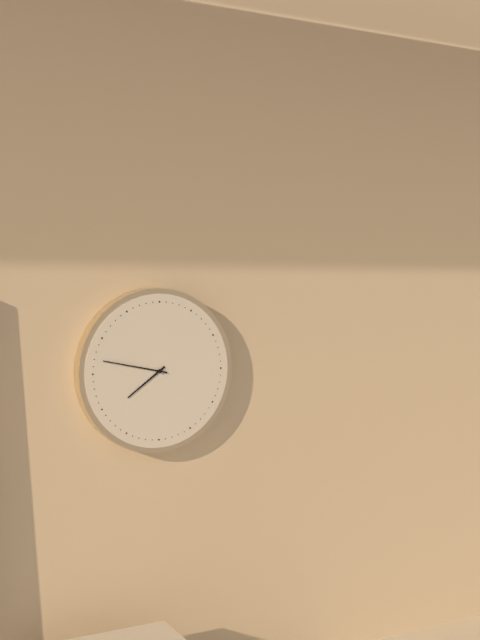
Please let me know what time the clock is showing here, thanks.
7:47
